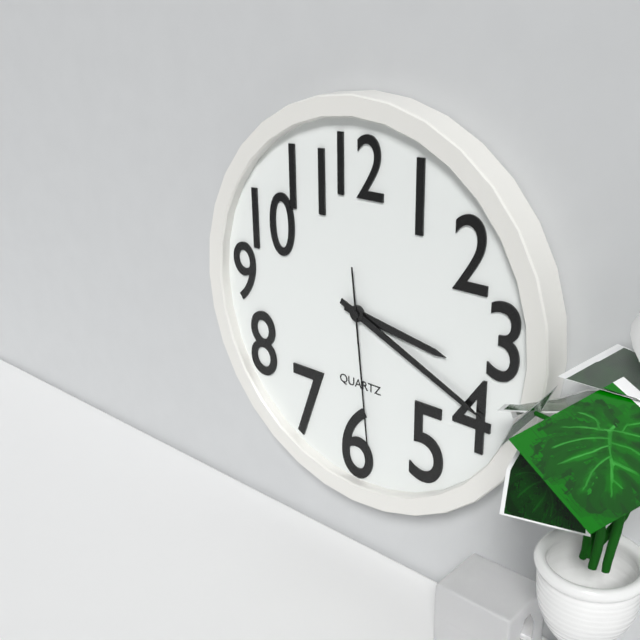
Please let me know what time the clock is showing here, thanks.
3:19:29
